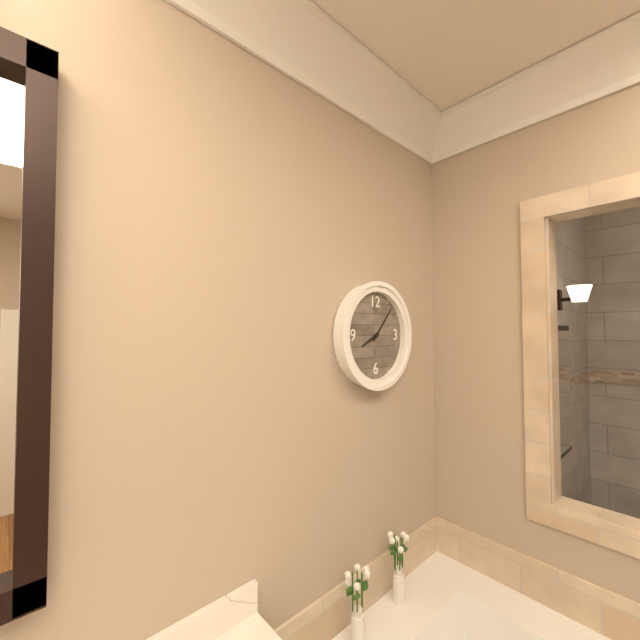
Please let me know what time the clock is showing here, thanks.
8:07
